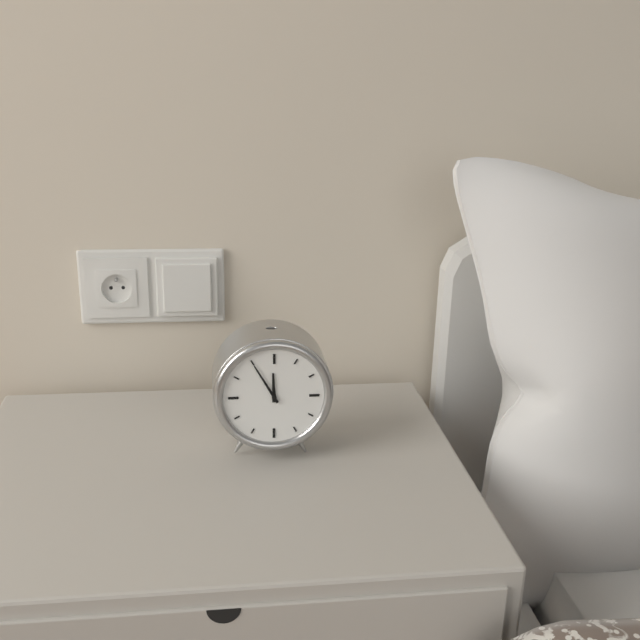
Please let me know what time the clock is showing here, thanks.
11:55
